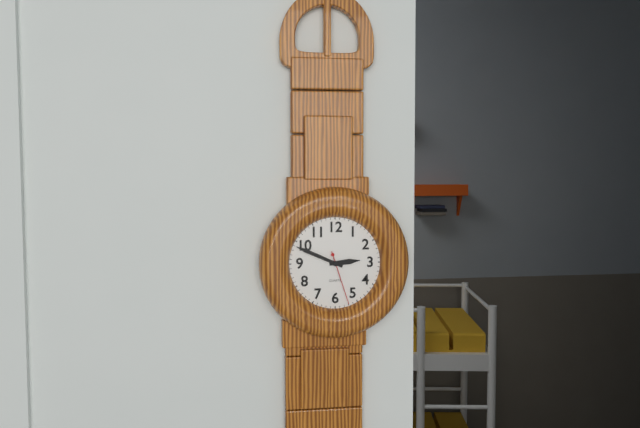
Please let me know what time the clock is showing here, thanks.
2:49:27
